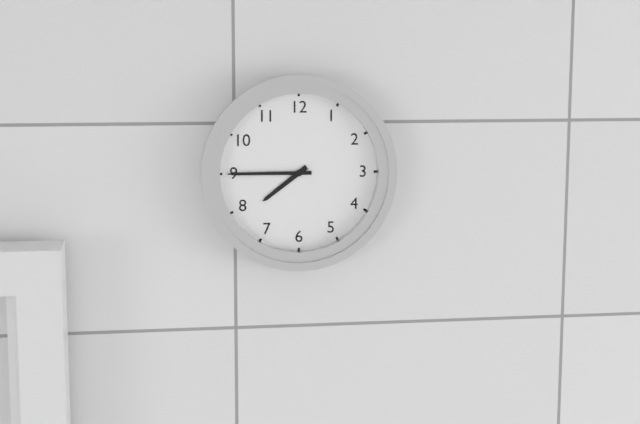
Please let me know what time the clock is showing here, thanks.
7:45
